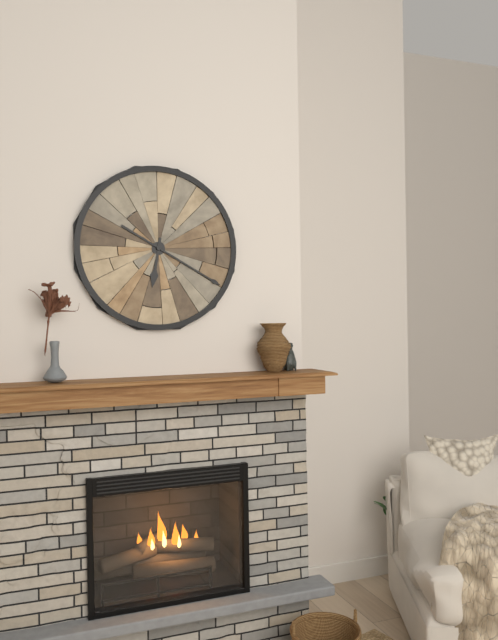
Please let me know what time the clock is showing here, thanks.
6:20
